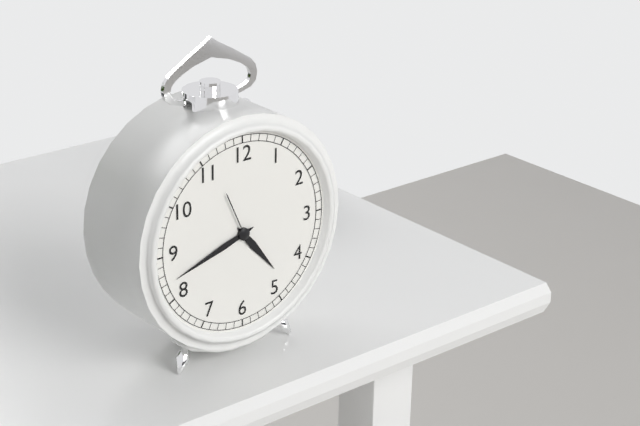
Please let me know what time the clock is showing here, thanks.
4:42:56
